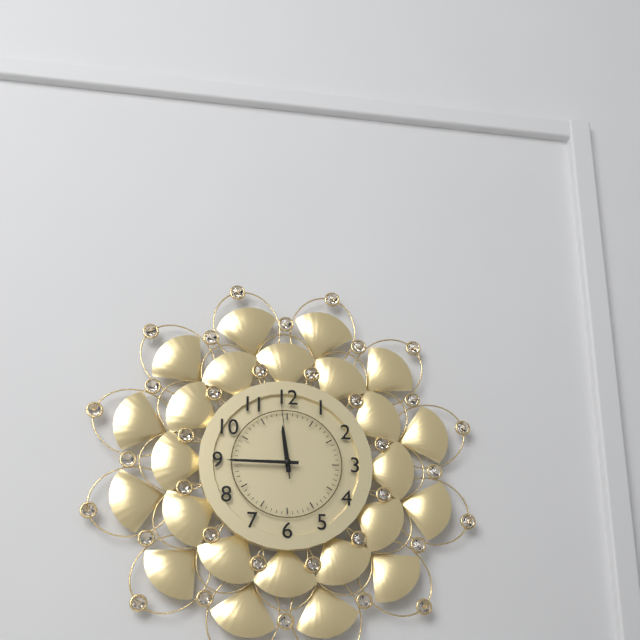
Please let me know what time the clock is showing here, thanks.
11:45:59
